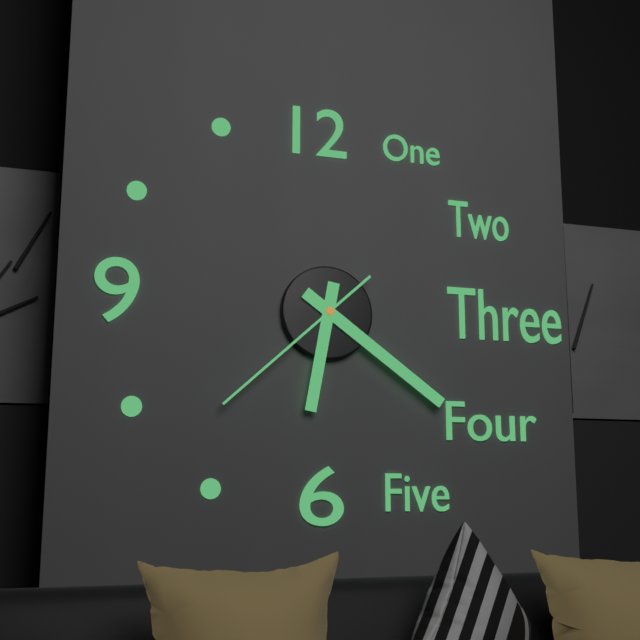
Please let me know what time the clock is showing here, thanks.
6:21:38
